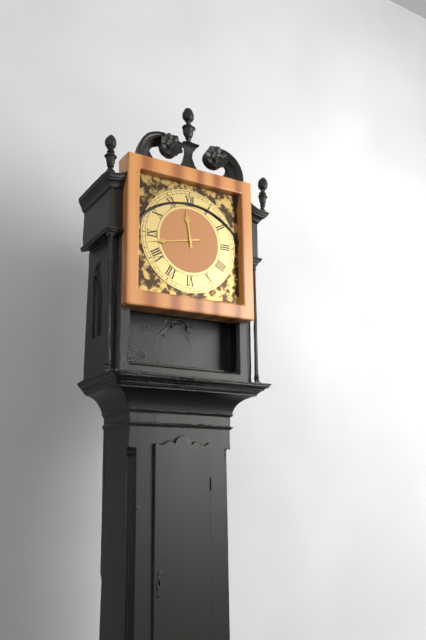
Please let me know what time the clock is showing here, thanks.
11:43
